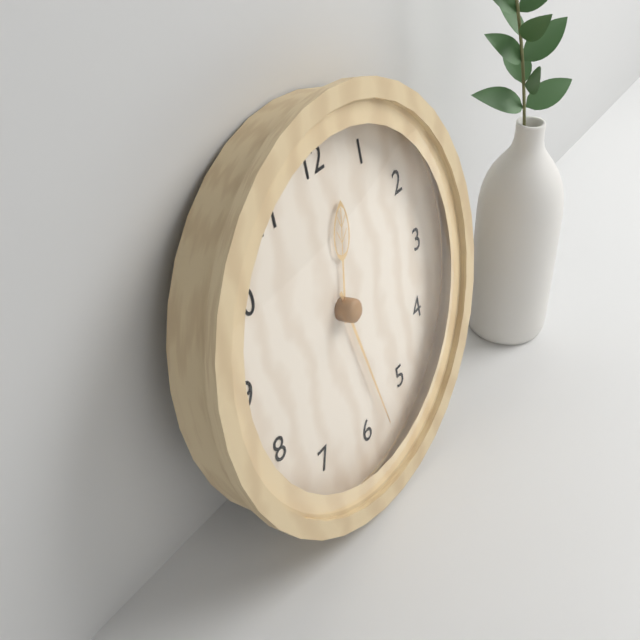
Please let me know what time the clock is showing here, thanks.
12:28
